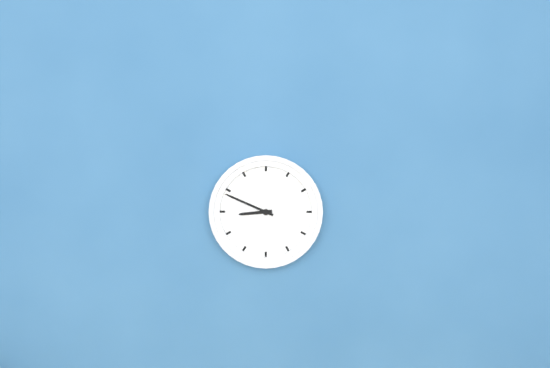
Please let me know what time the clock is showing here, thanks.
8:49
